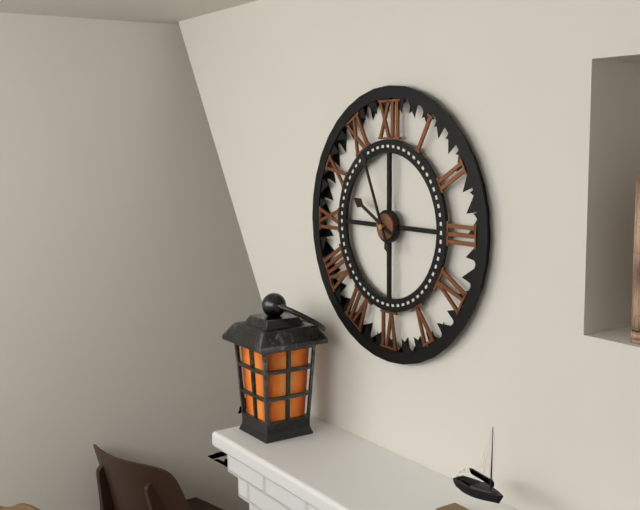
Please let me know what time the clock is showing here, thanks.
9:56
